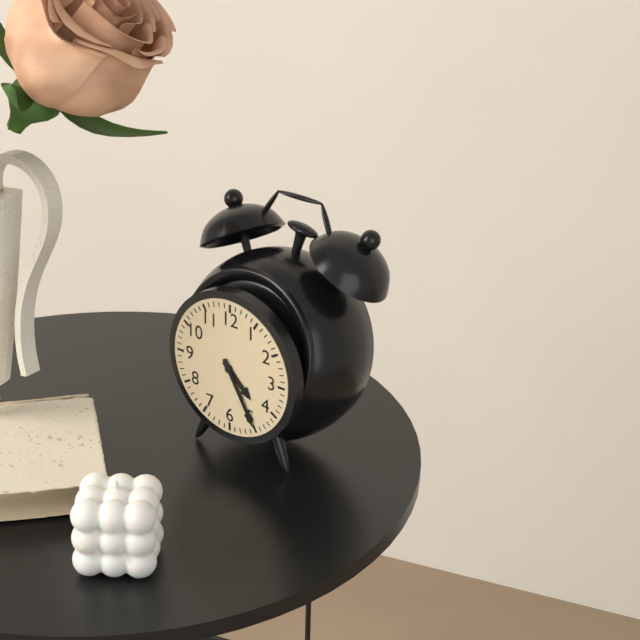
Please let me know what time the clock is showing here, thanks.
4:25
